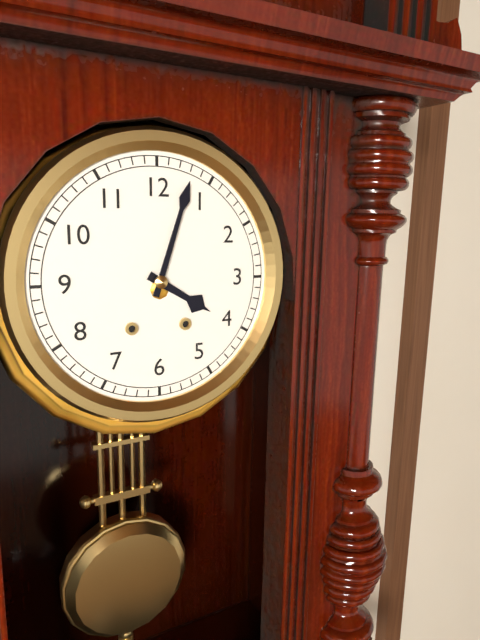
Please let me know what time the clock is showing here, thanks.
4:03
